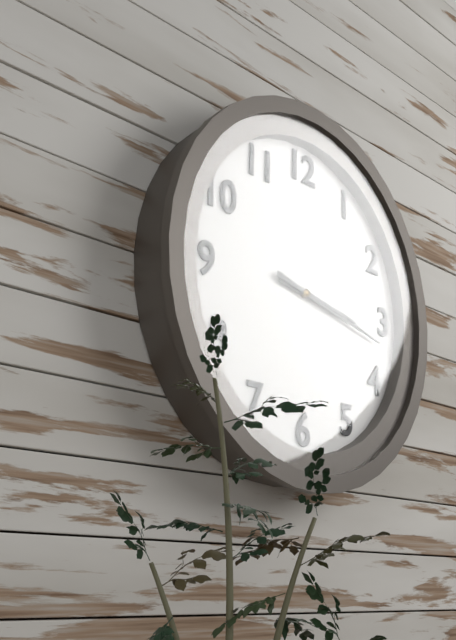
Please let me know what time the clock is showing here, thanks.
3:17
